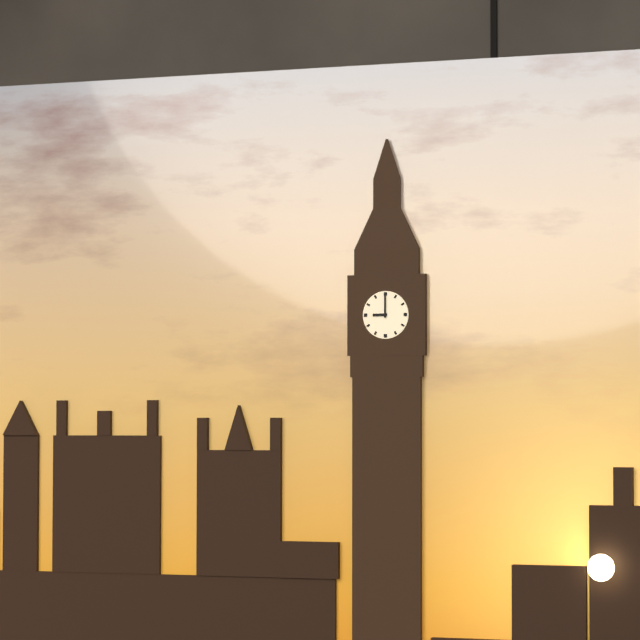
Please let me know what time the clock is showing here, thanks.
9:00
